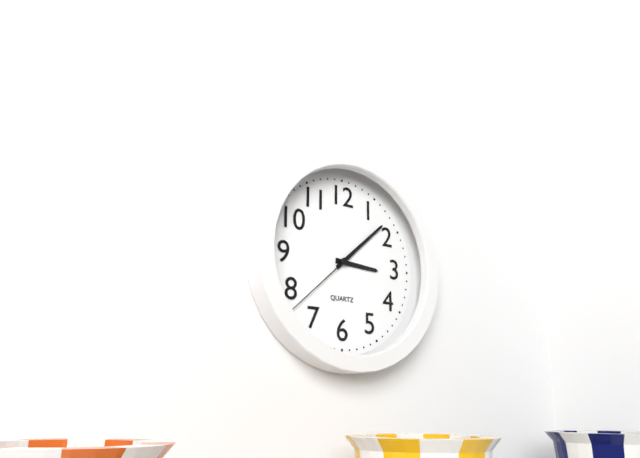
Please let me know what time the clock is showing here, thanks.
3:08:38
